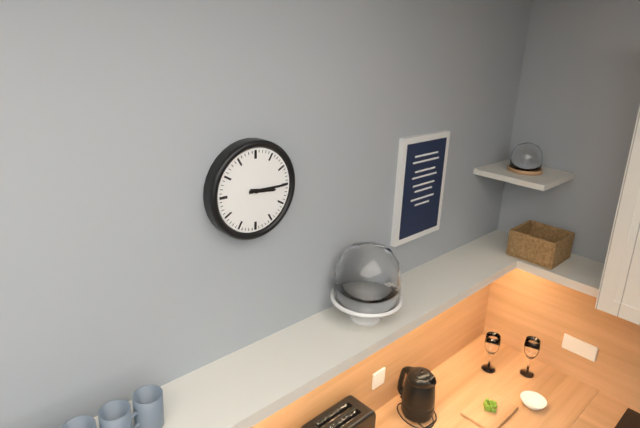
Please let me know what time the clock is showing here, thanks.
3:15
